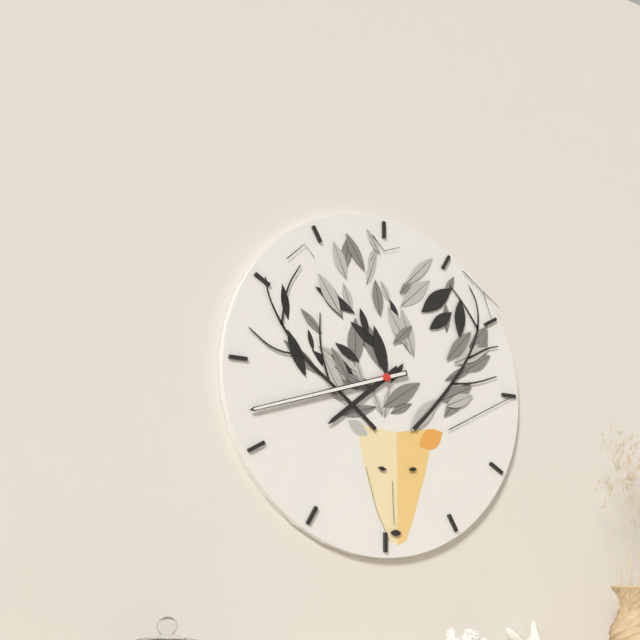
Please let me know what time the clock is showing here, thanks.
7:42
